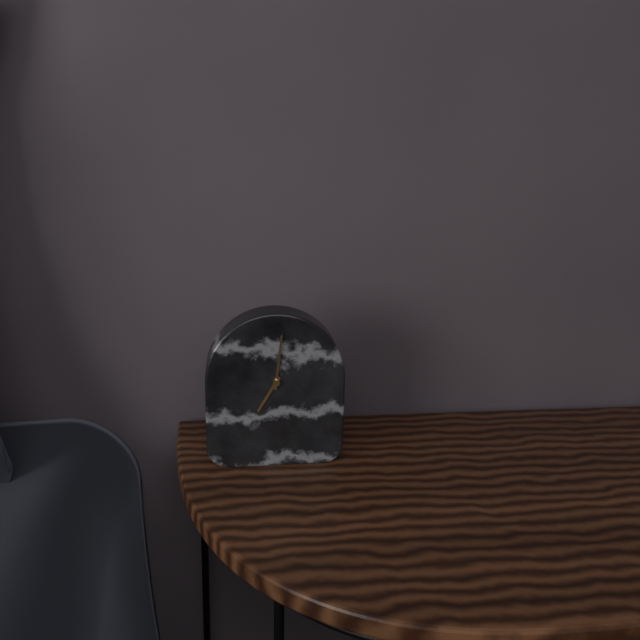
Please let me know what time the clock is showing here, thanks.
7:01
